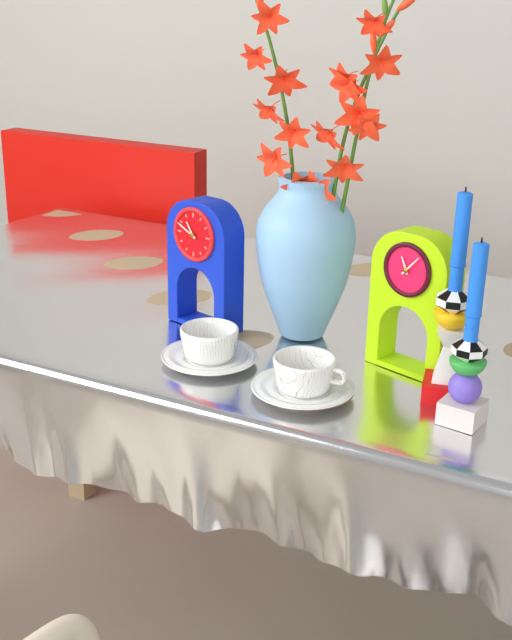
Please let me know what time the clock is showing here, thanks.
10:49
